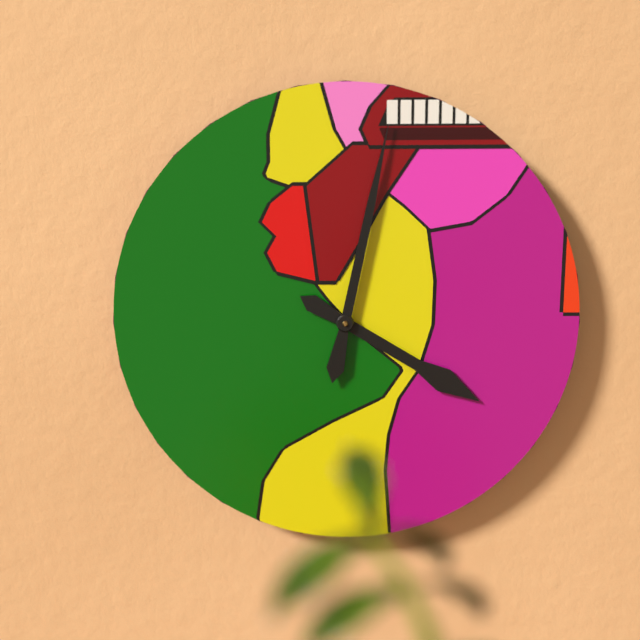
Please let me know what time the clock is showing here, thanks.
4:02
